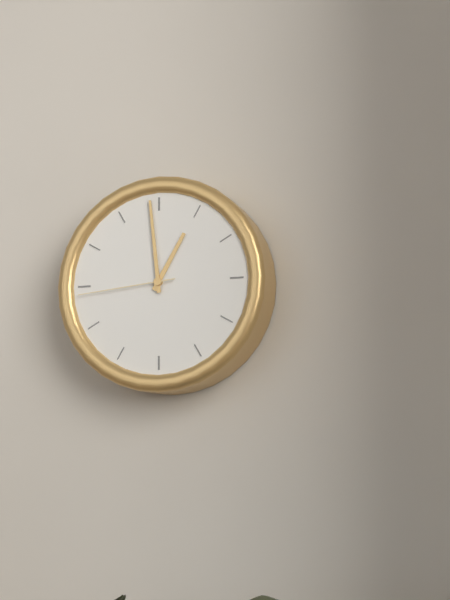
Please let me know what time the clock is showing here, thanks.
12:59:44
